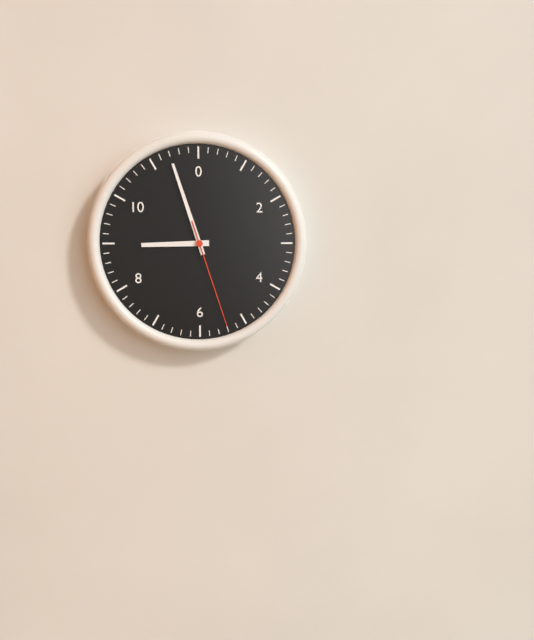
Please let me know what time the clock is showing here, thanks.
8:57:27
